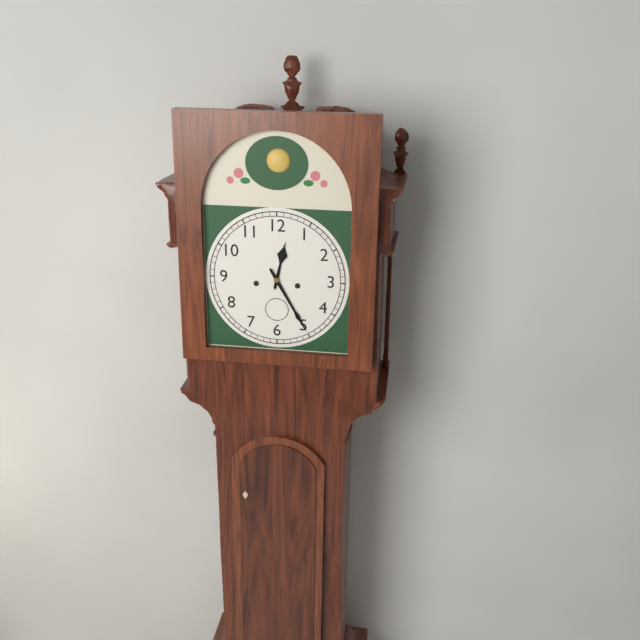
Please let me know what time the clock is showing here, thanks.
12:25
